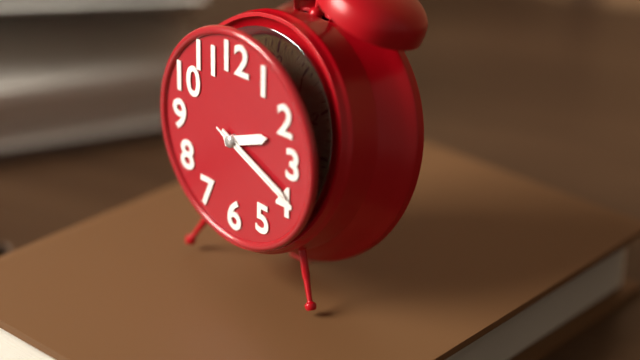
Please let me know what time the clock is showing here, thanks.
2:19:19
